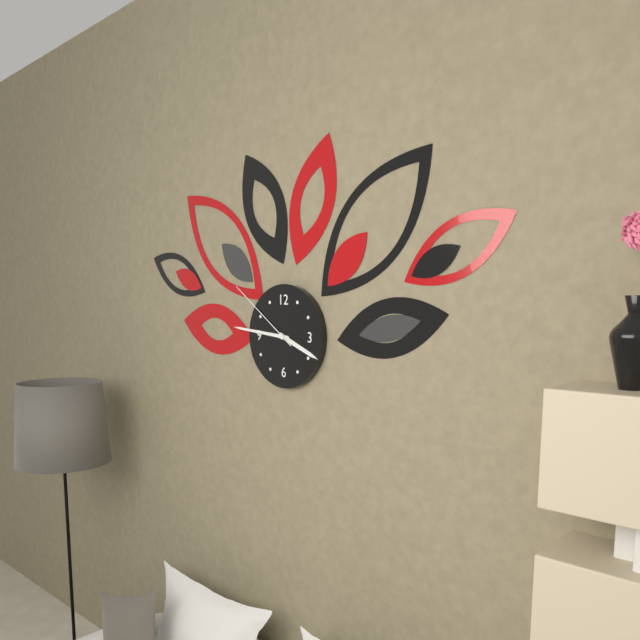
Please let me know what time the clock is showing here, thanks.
3:46:51
